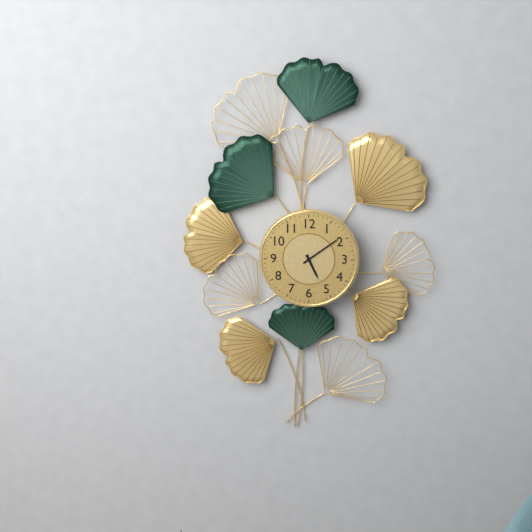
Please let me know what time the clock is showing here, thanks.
5:09
